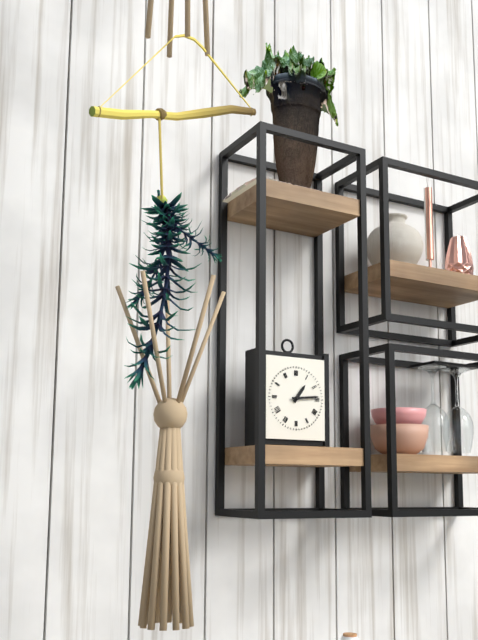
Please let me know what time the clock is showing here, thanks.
1:14
